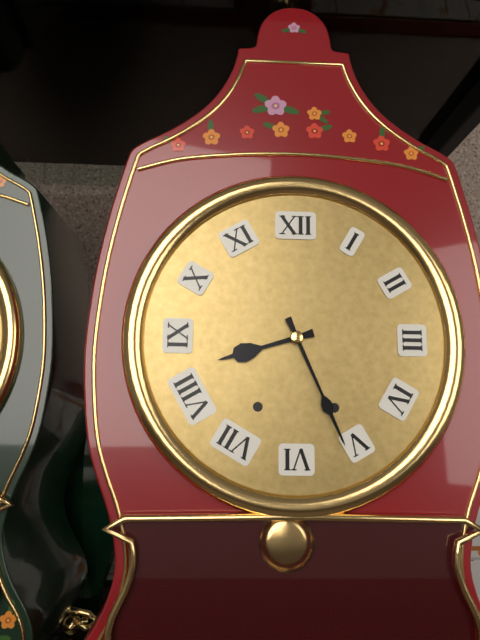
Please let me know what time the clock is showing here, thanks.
8:26
